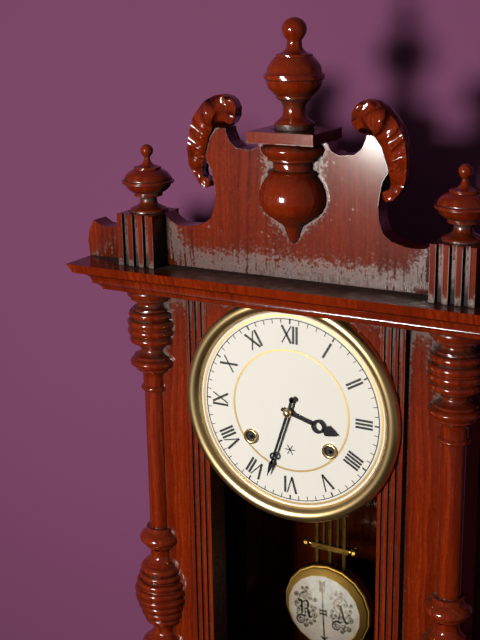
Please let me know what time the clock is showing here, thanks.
3:33
